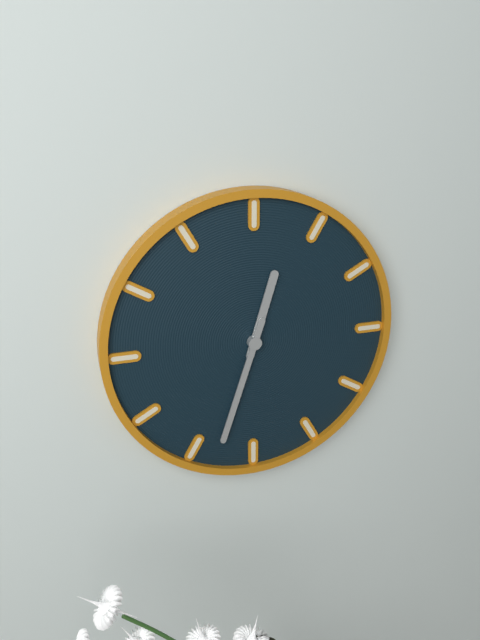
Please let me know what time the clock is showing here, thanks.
12:33
